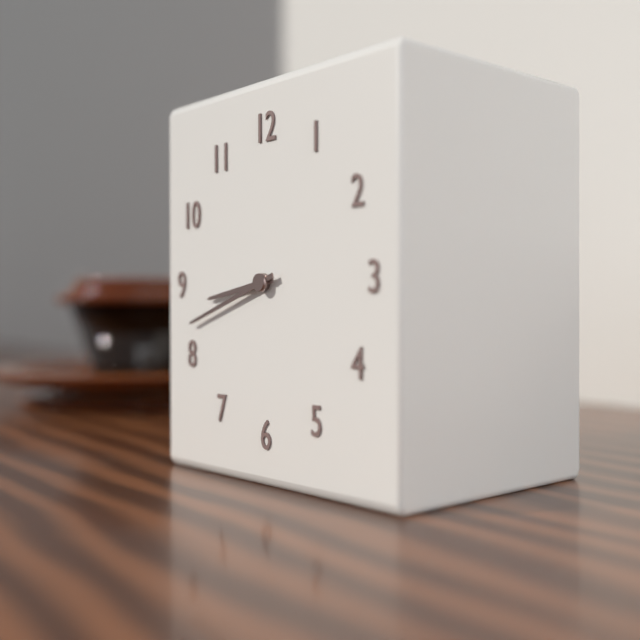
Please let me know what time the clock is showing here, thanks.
8:42
